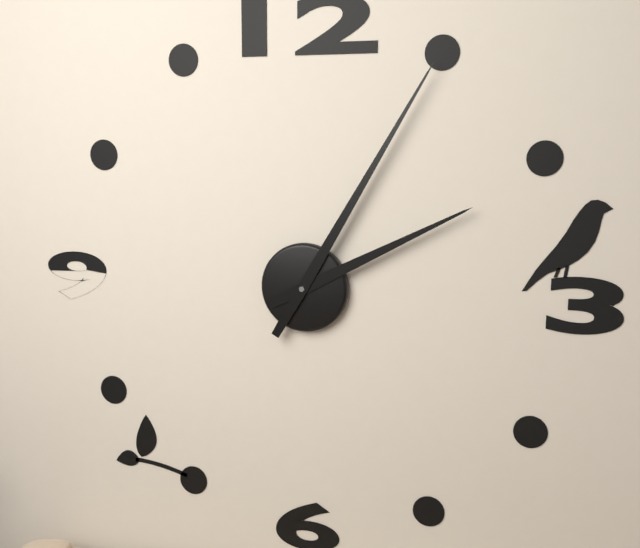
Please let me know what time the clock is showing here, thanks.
2:05
